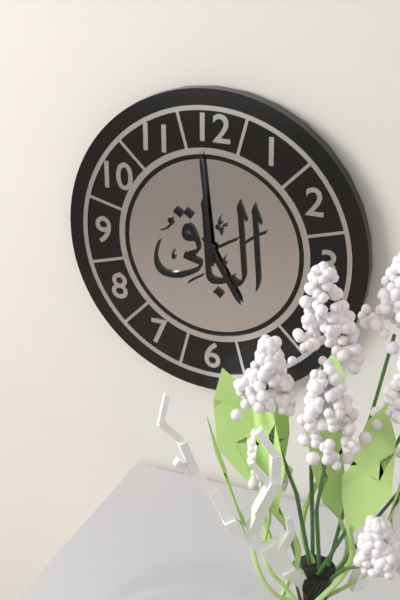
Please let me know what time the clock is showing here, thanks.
4:59
